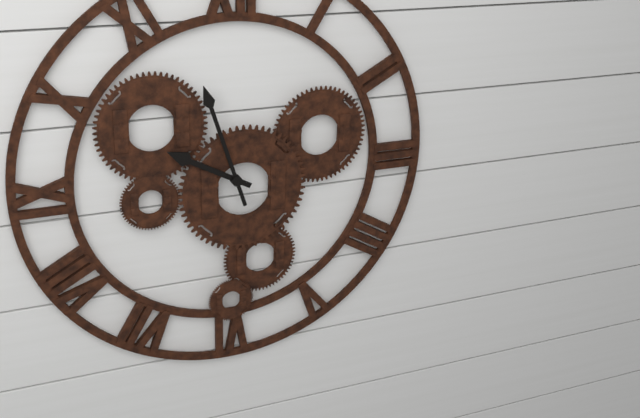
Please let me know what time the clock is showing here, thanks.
9:57
